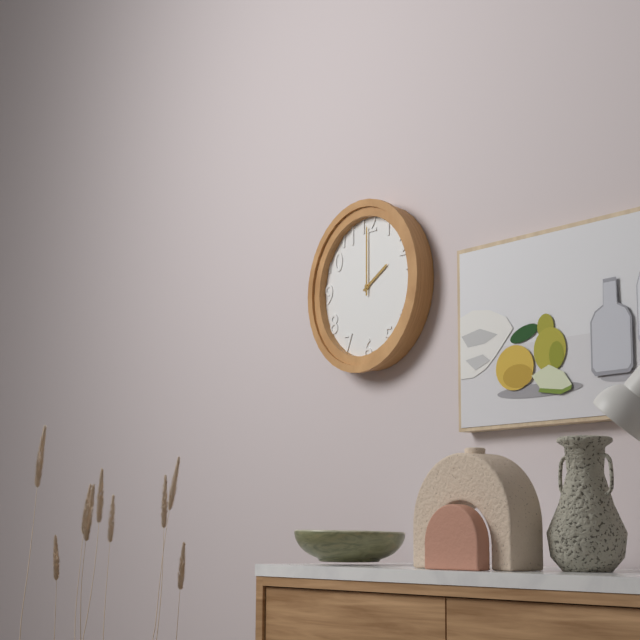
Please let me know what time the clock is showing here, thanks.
2:00
